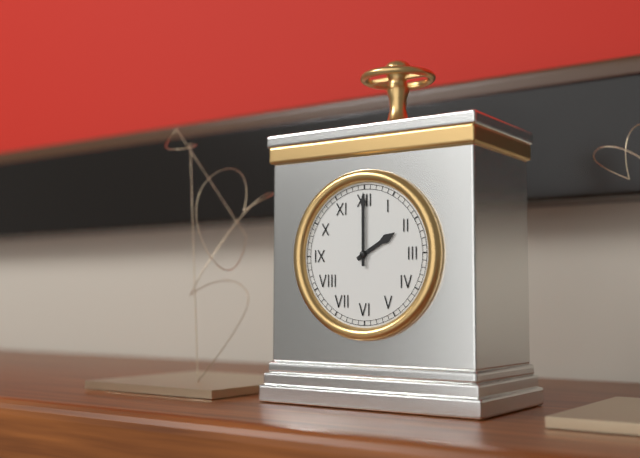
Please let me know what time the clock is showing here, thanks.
2:00
